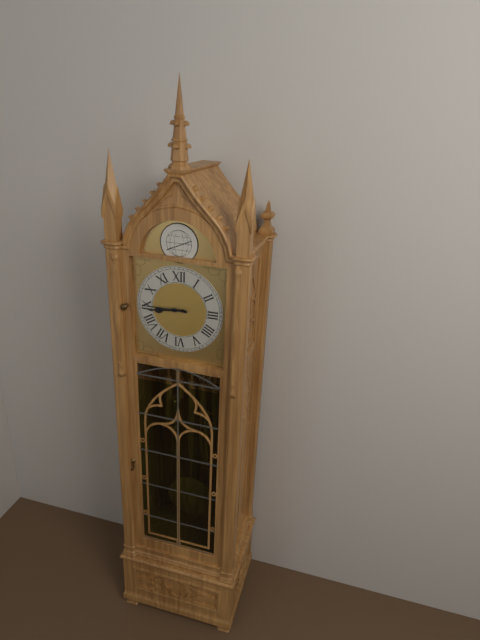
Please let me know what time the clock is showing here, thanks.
8:45
